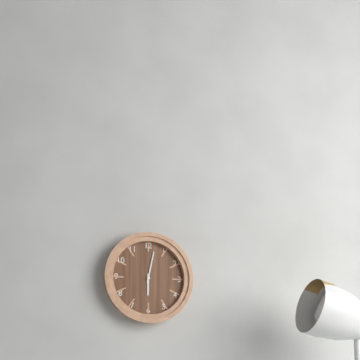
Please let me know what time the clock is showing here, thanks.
6:02
